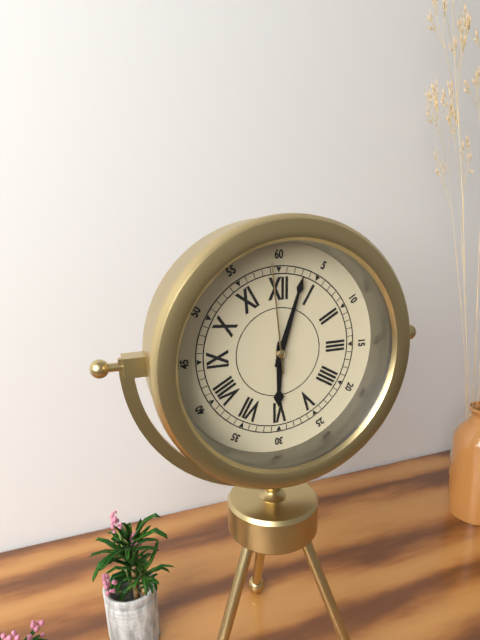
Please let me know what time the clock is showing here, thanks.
6:03:59
